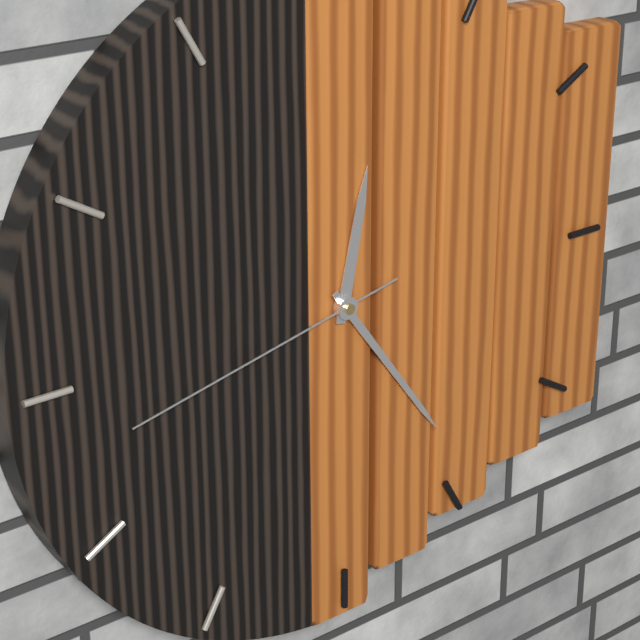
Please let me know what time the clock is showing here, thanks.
12:24:43
